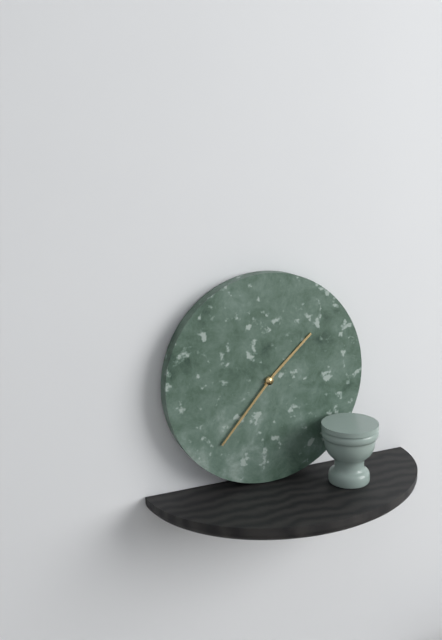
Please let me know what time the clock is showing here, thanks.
1:37
